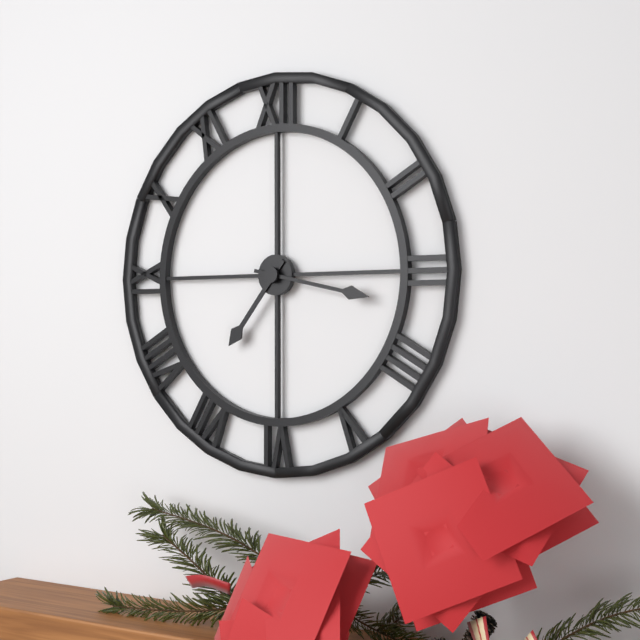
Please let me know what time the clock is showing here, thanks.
7:17
